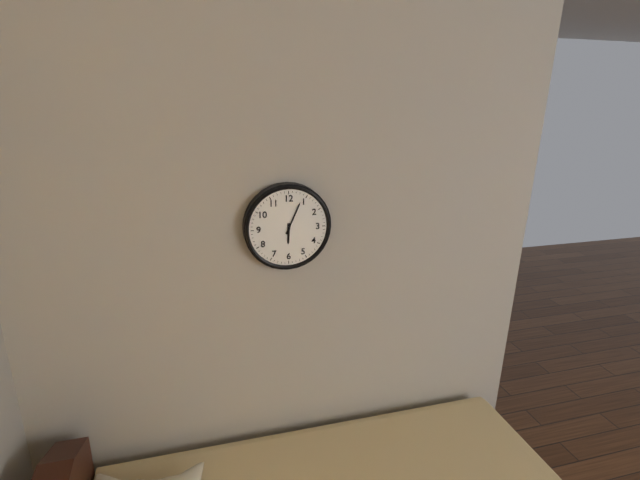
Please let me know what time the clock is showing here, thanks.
6:04
